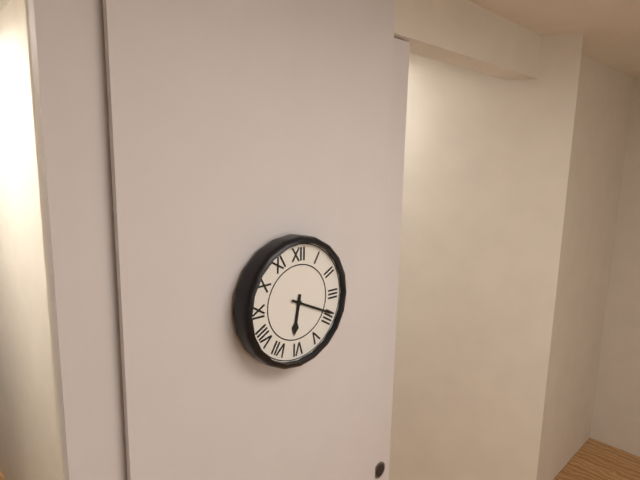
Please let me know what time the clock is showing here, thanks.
6:19
